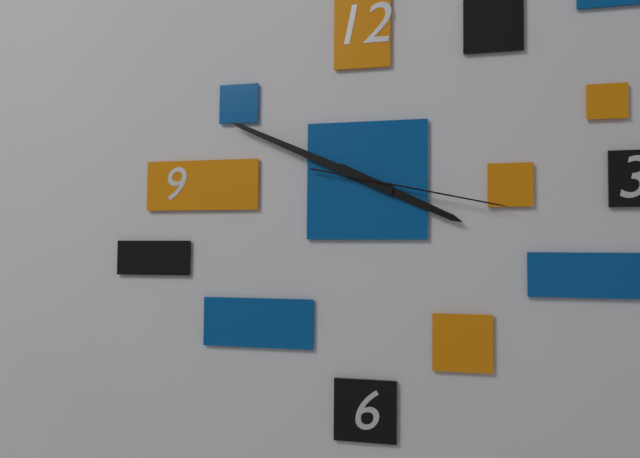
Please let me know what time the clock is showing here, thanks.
3:49:17
